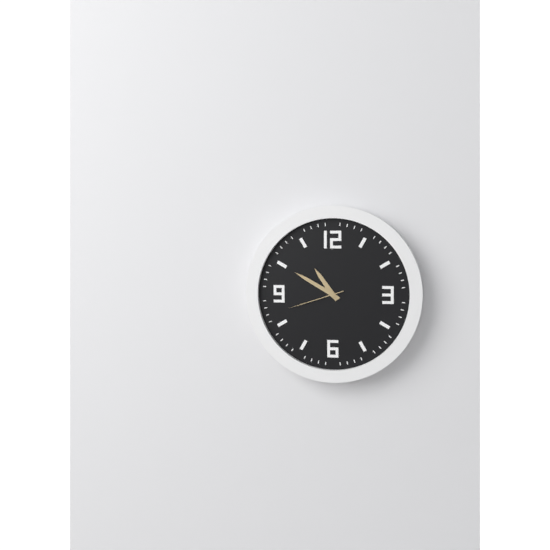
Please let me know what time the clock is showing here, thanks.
10:50:42
